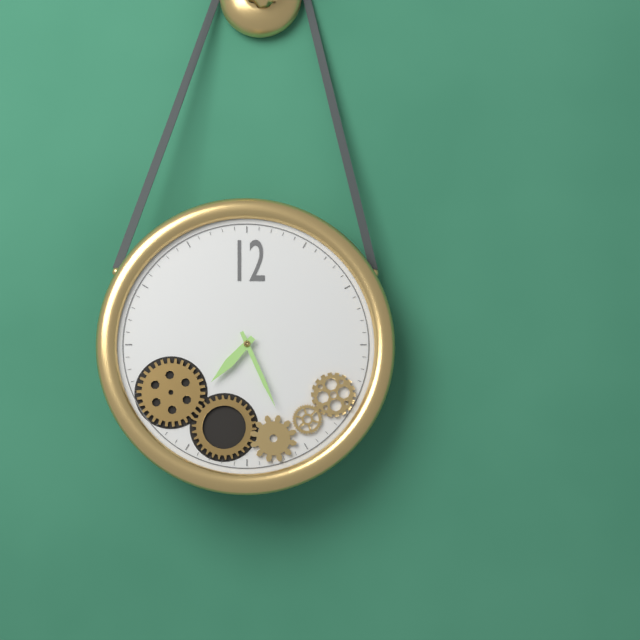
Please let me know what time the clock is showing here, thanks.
7:26
